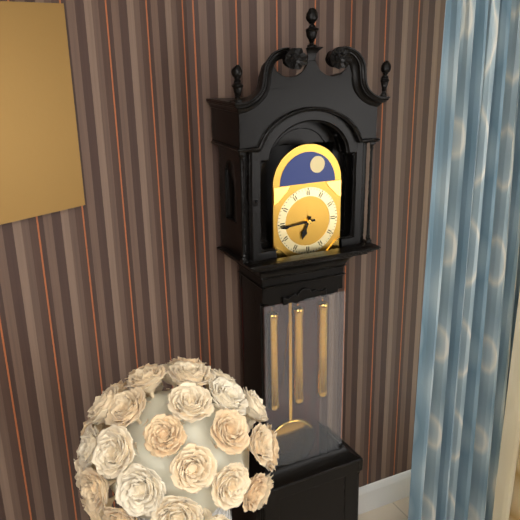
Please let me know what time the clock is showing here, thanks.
6:44
